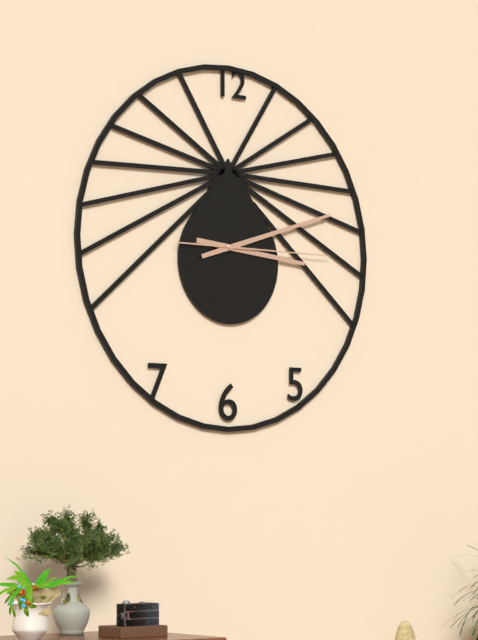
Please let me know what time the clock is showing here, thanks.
3:12:15
